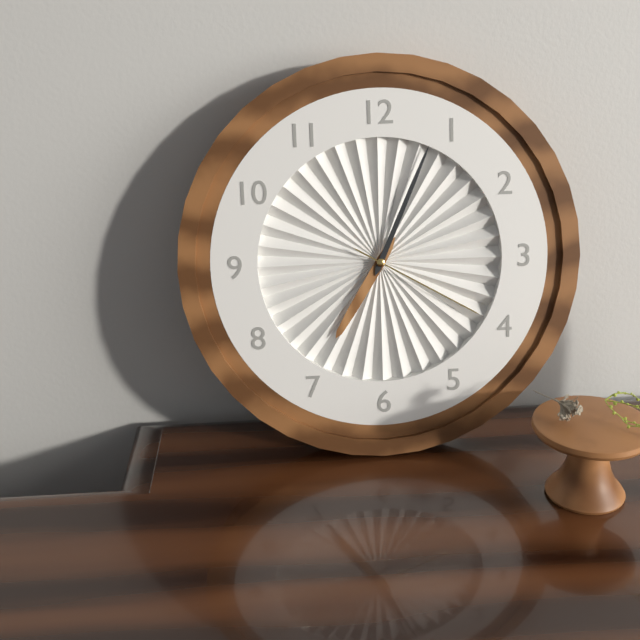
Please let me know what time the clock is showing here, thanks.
7:04:20
